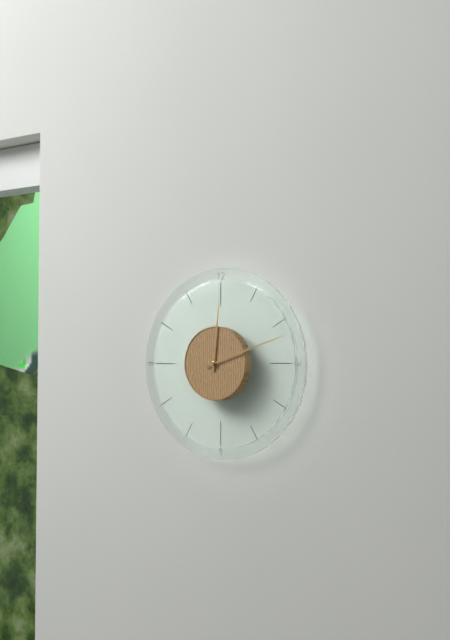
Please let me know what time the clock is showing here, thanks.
12:12
